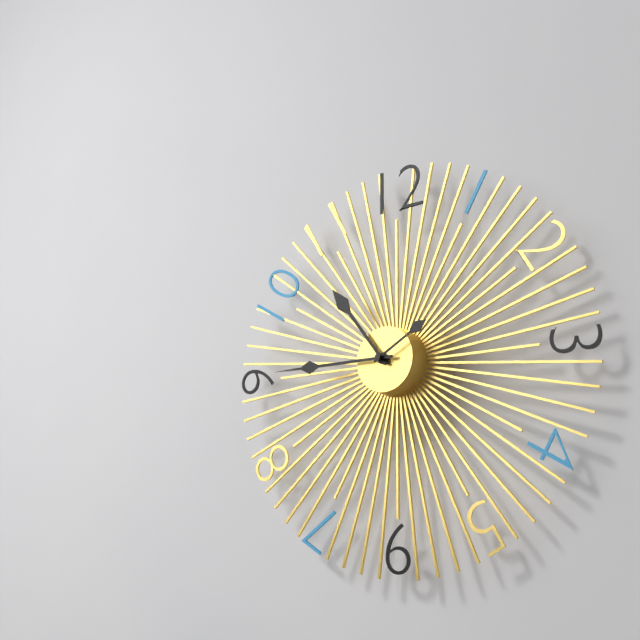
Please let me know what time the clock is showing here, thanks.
10:45:10
